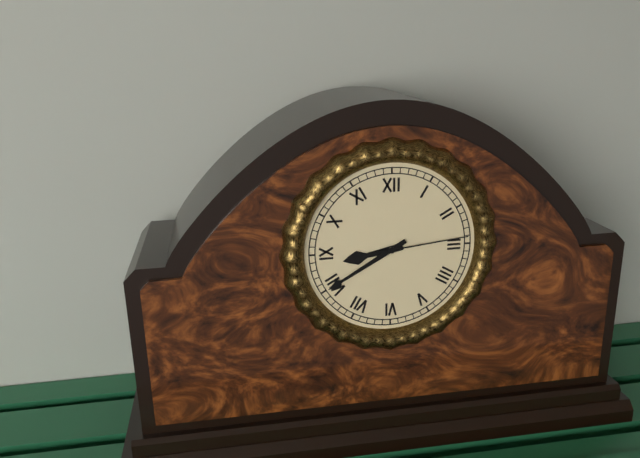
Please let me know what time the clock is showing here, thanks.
8:40:14
